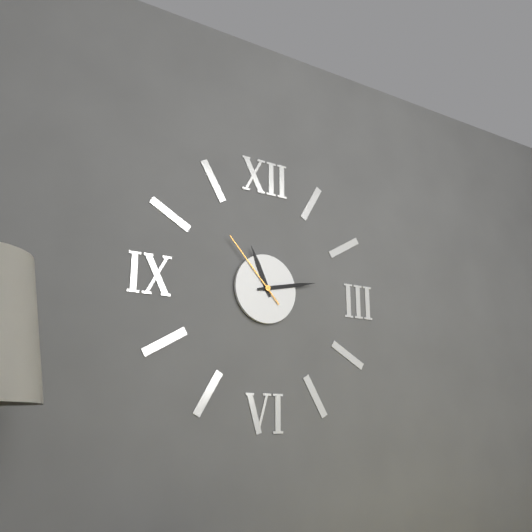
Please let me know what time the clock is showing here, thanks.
11:13:53
